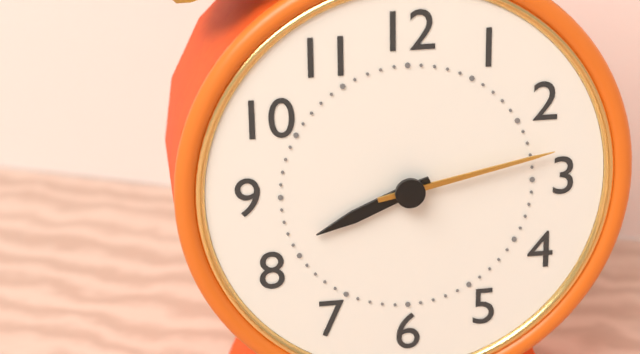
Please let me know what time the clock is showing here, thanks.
8:13
